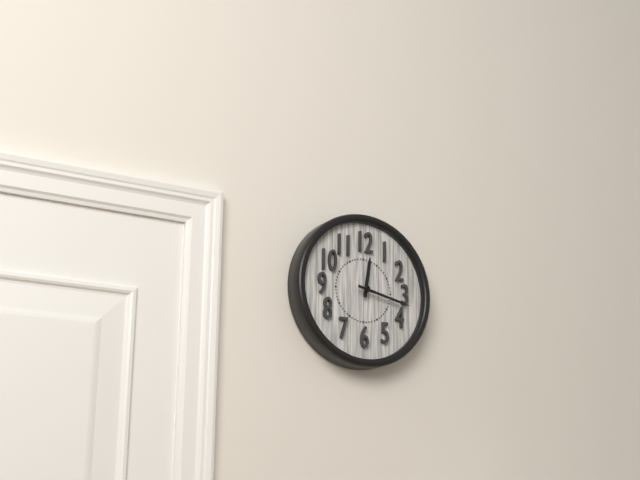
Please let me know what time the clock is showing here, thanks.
12:17
